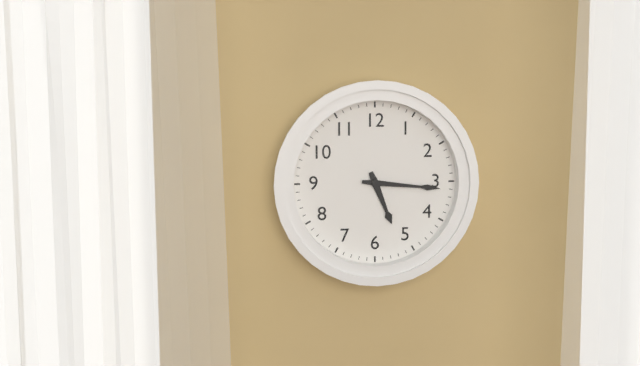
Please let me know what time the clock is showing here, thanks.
5:16
